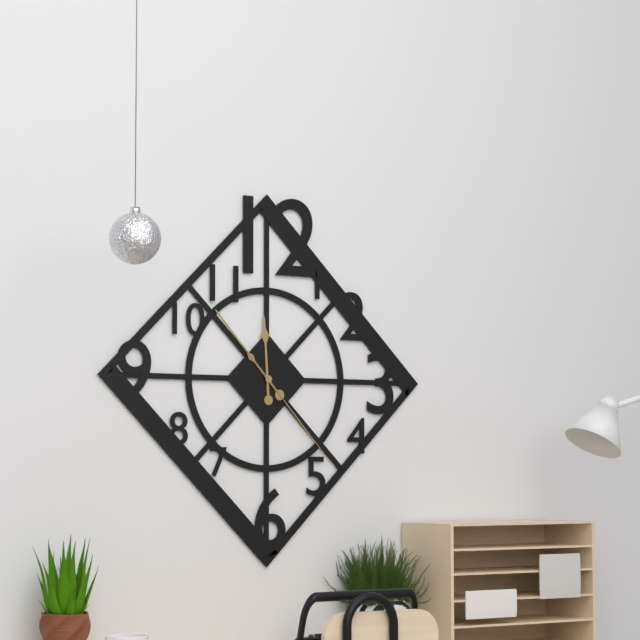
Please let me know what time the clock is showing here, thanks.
11:53:23
